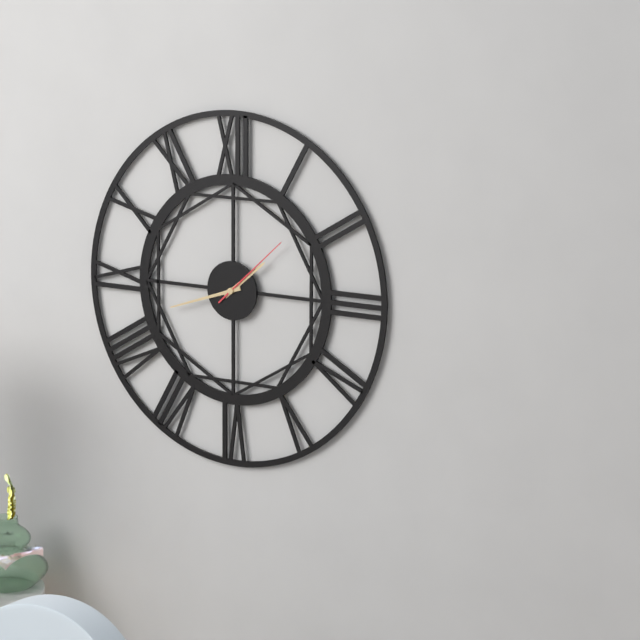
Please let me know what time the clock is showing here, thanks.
1:42:08
